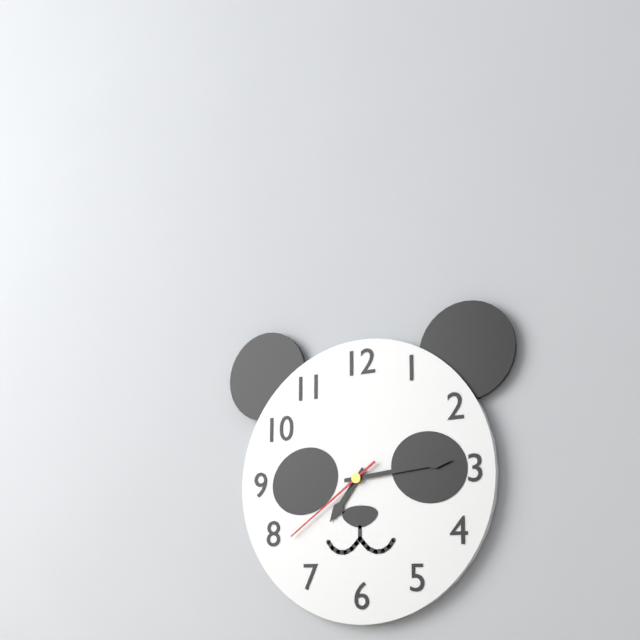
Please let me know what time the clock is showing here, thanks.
7:14:39
